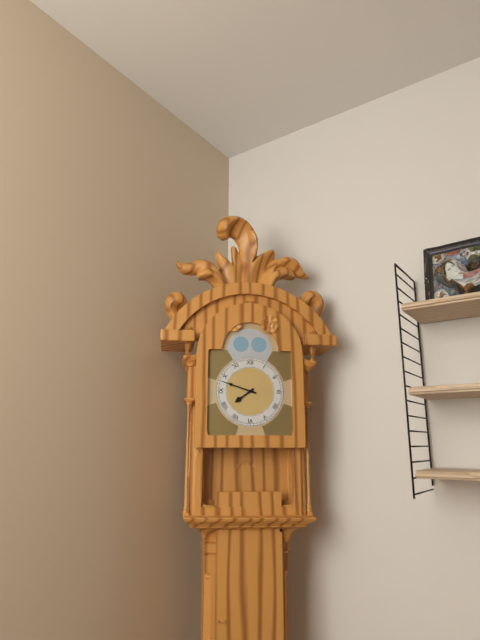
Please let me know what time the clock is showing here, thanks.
7:48
